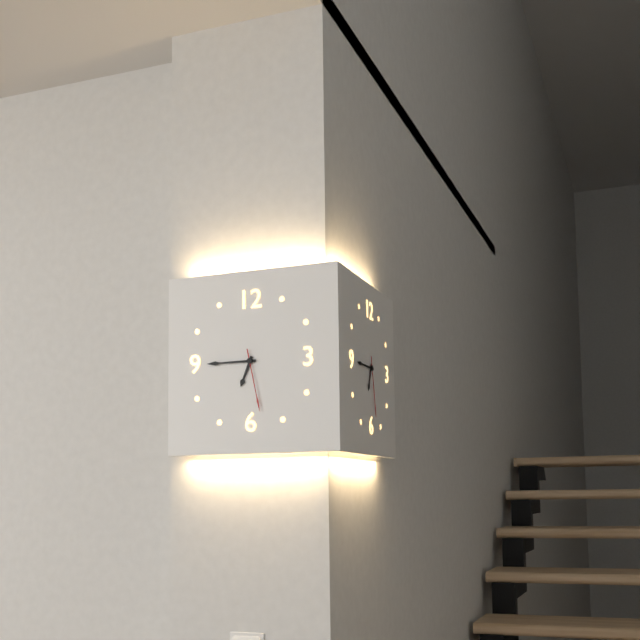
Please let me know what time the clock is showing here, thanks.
6:45:28
